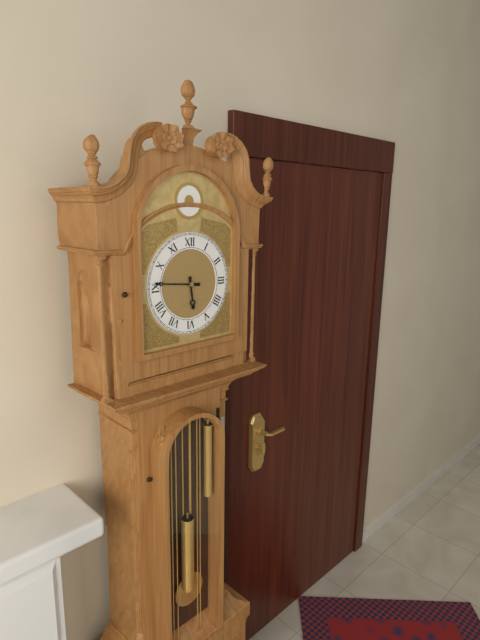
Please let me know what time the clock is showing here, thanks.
5:46
